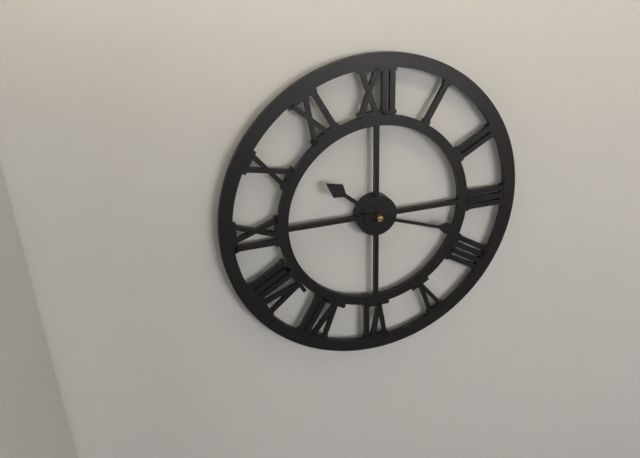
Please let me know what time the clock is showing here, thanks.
10:18
